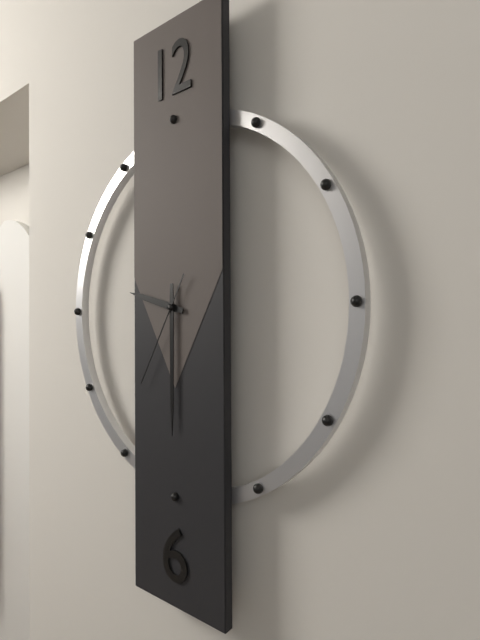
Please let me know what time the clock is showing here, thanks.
9:30:35
